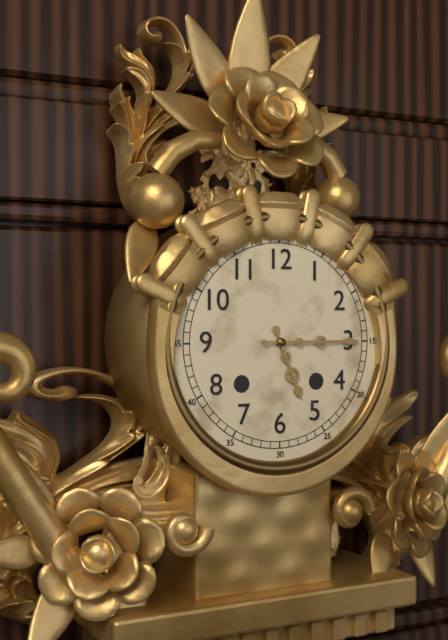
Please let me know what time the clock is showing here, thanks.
5:15
